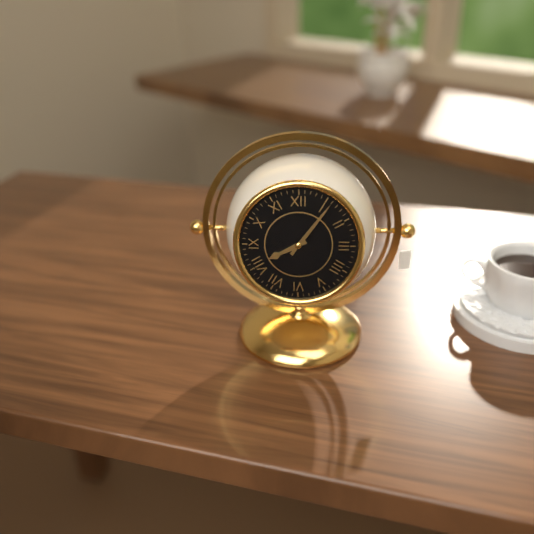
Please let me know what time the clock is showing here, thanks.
8:06
